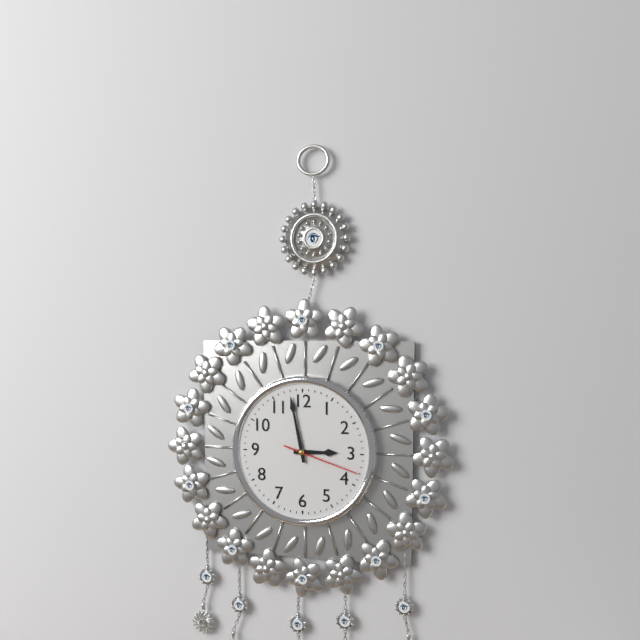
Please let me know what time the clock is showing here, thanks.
2:58:18
